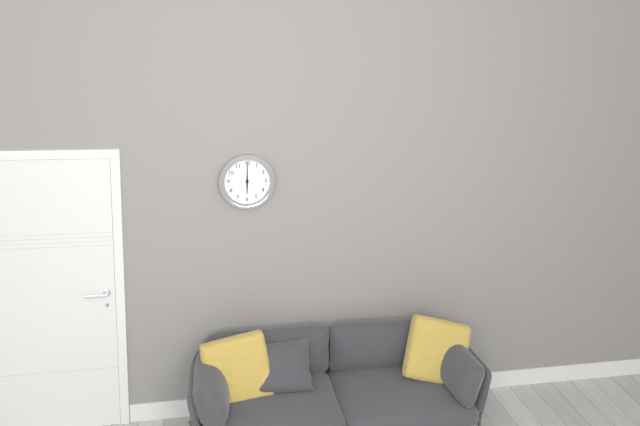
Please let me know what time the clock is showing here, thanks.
6:00
